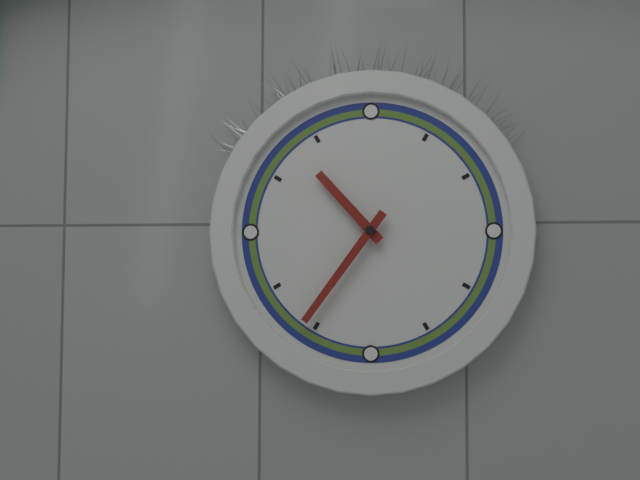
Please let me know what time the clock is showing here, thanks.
10:36
